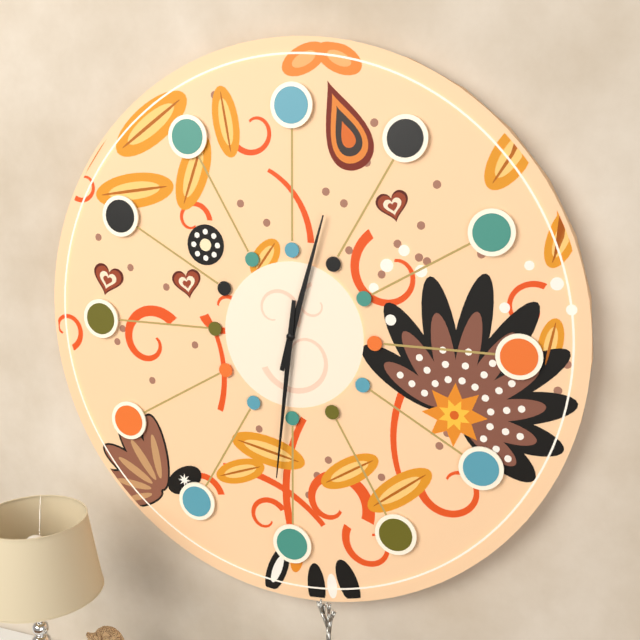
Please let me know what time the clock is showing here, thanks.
12:31
